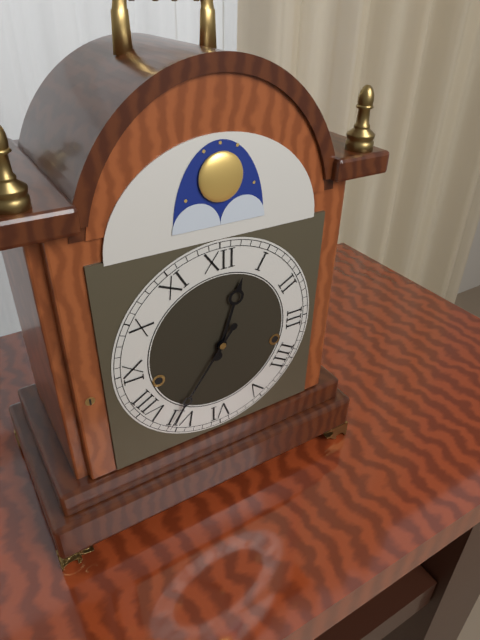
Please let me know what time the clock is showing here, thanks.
12:36
